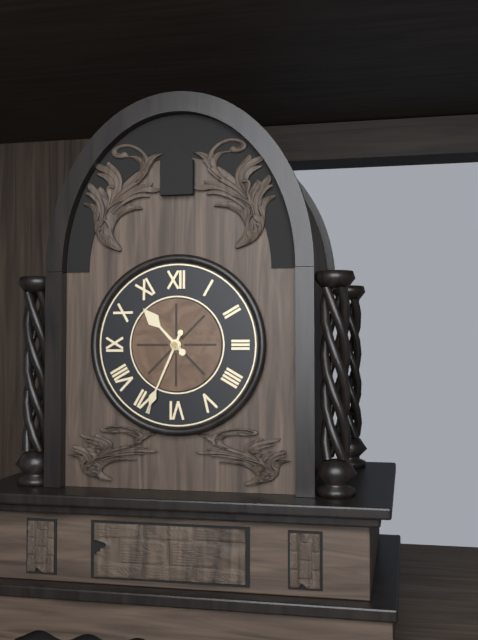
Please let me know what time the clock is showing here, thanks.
10:34
